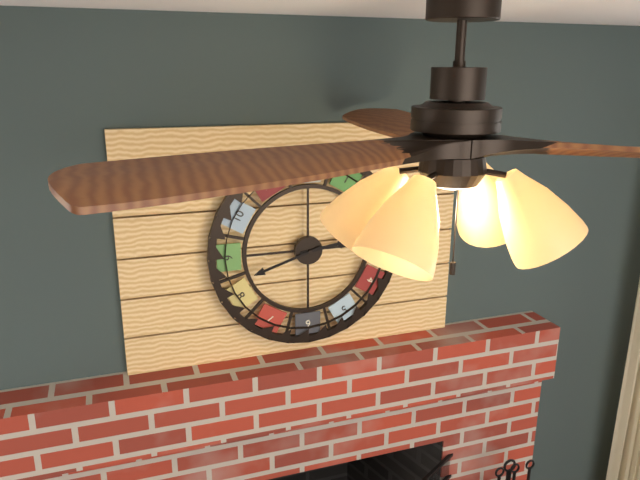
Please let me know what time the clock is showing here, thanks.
2:42
